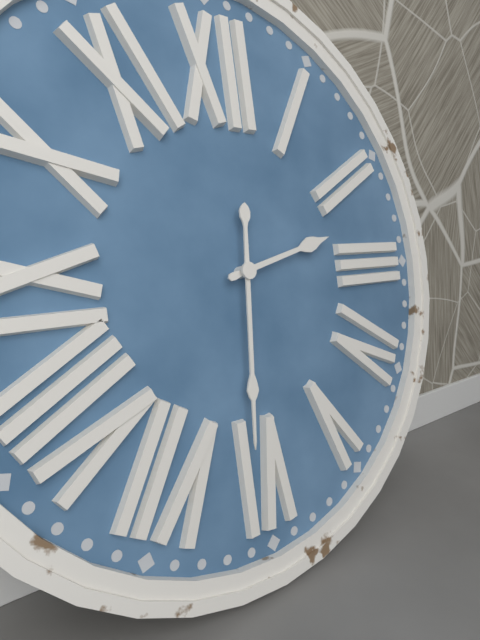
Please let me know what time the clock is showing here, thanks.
2:31
